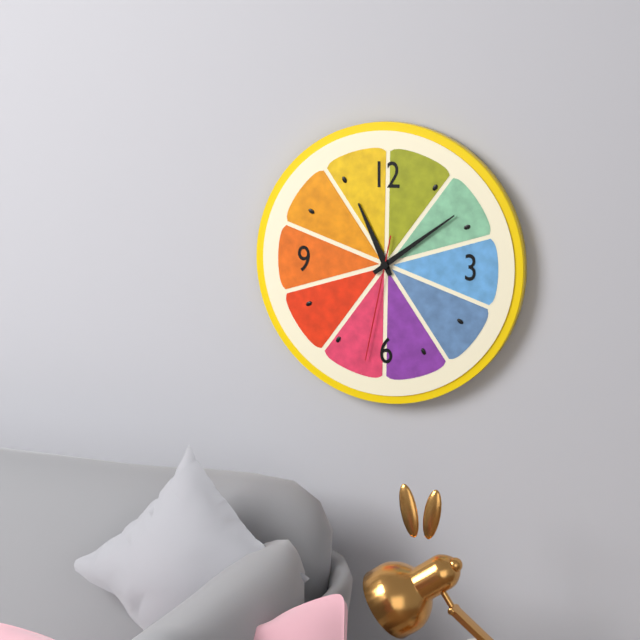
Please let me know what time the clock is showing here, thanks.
11:09:32
